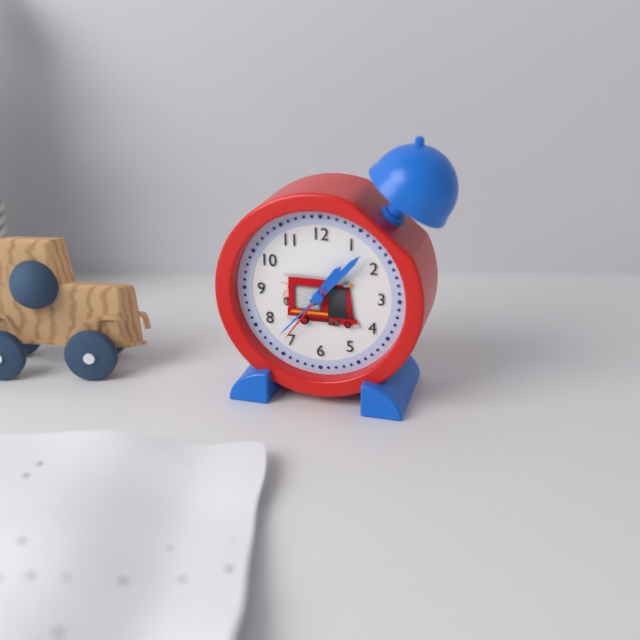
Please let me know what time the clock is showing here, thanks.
1:07:36
